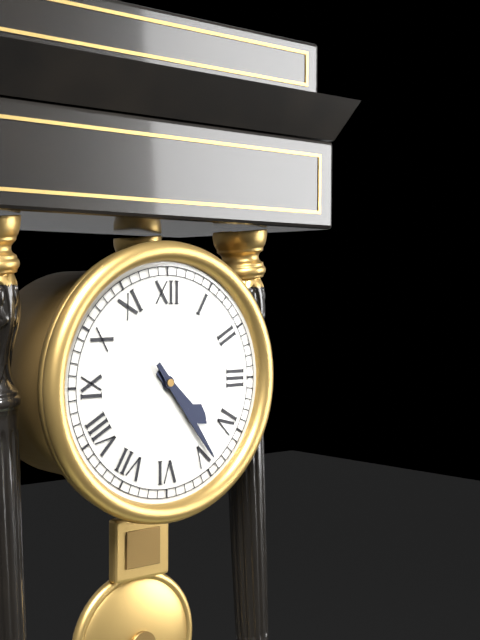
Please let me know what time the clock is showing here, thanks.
4:24
